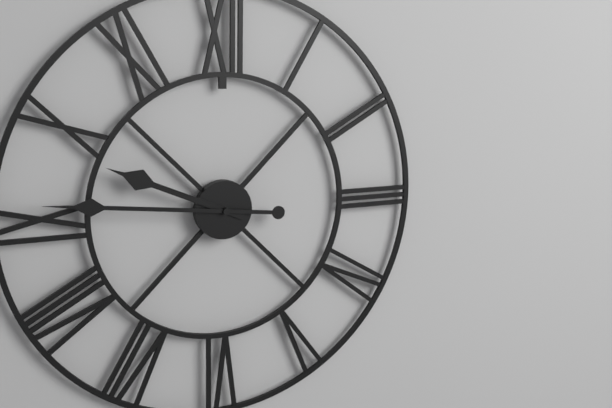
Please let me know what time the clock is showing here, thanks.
9:46
